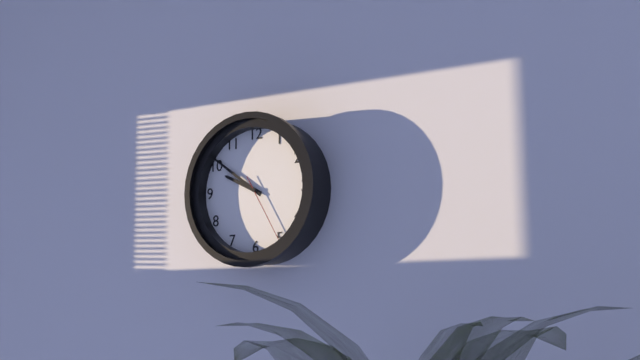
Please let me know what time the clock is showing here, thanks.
9:51:25
